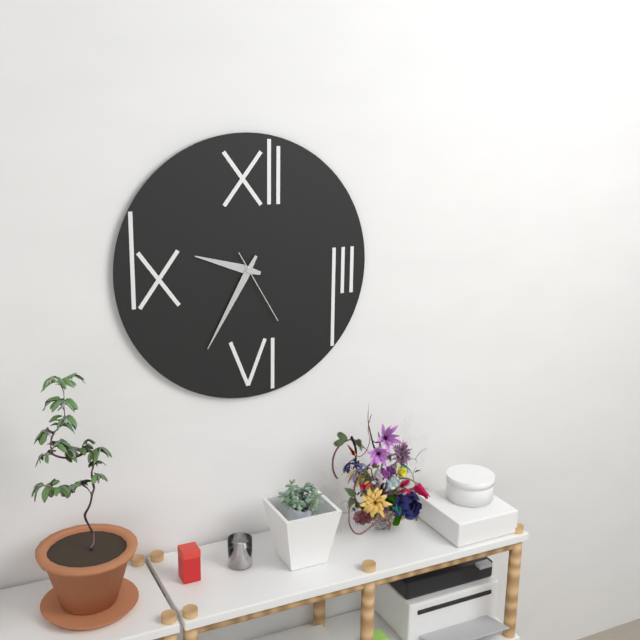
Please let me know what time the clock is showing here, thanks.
9:35:25
